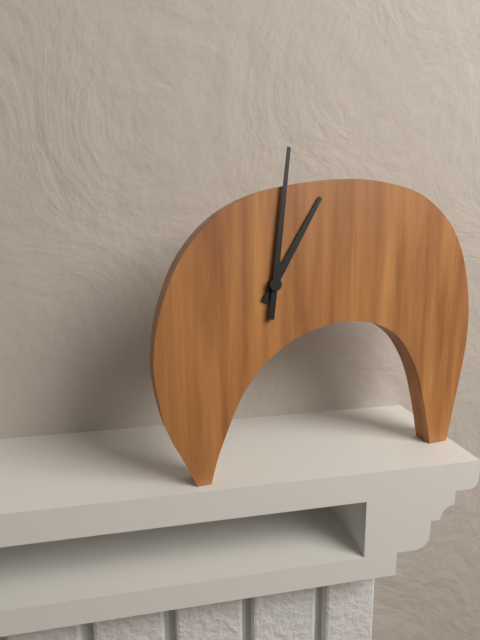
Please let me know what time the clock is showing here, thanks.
1:01
